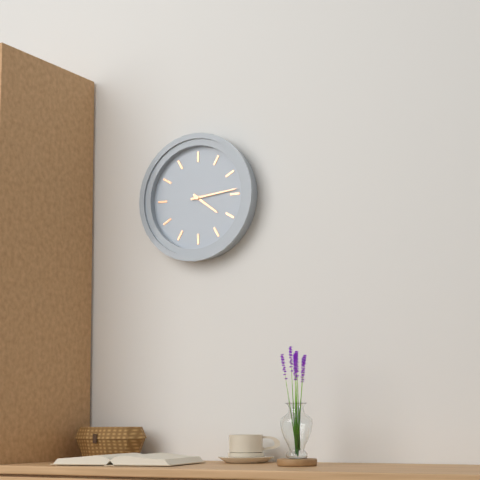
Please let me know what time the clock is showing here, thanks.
4:14
